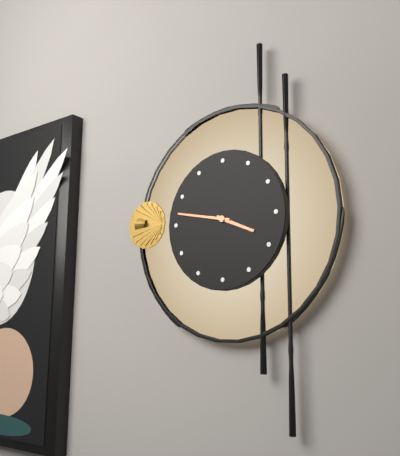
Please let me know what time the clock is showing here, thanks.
3:47
